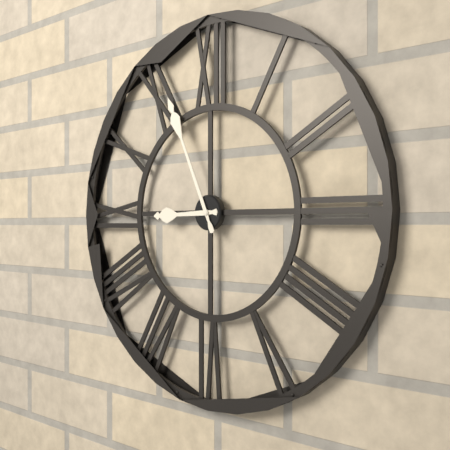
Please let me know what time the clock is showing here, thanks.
8:56
